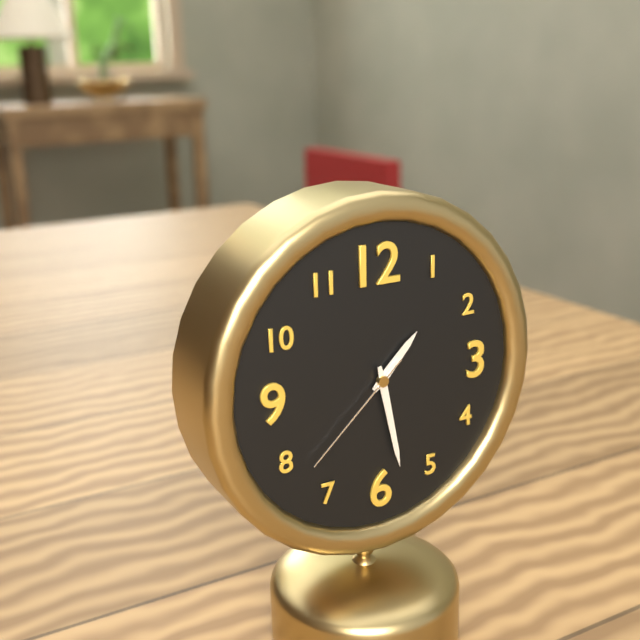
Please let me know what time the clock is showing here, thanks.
1:28:38
